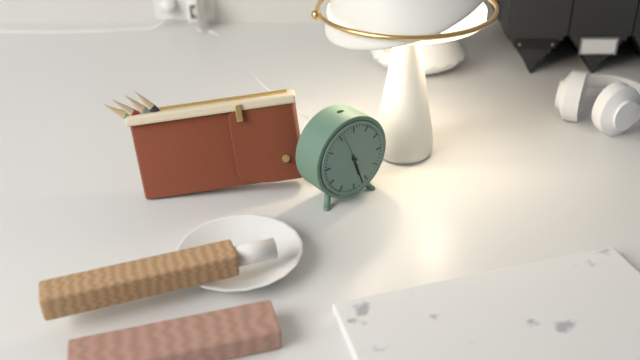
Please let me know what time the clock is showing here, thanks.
5:27
